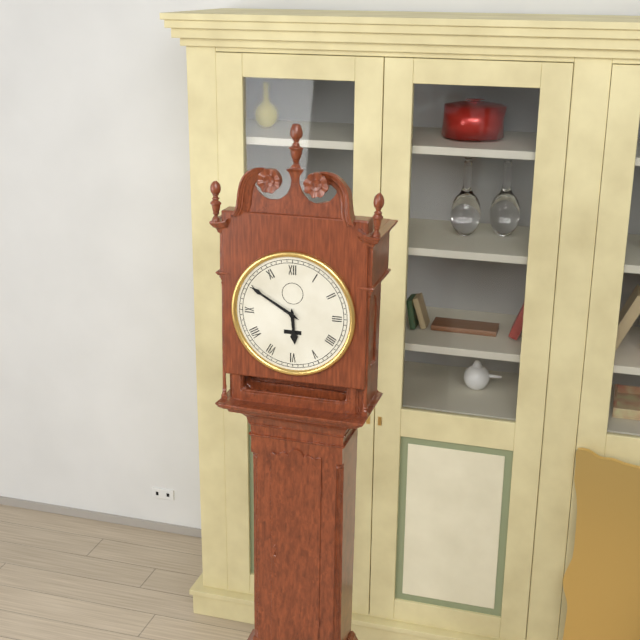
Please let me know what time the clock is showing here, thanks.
5:50
